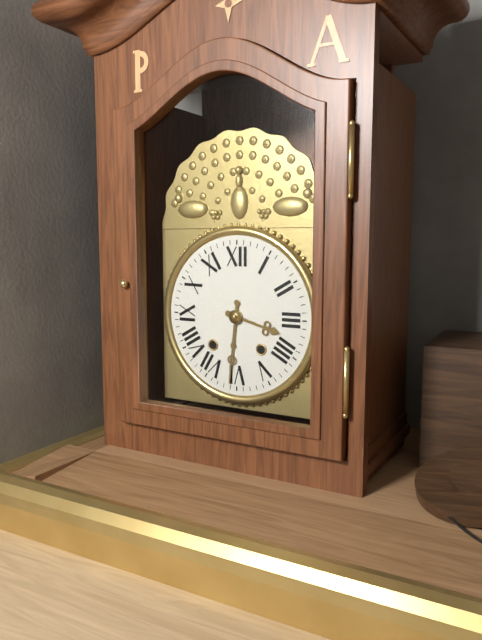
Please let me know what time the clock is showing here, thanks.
3:31
